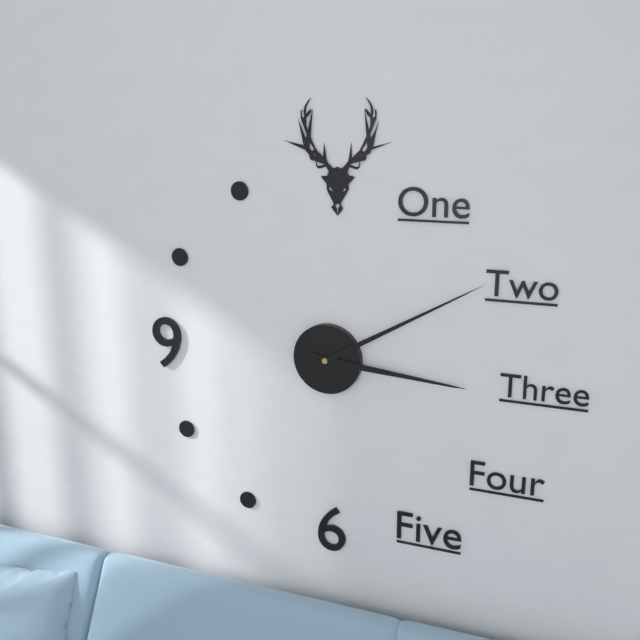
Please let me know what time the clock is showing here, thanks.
3:10
